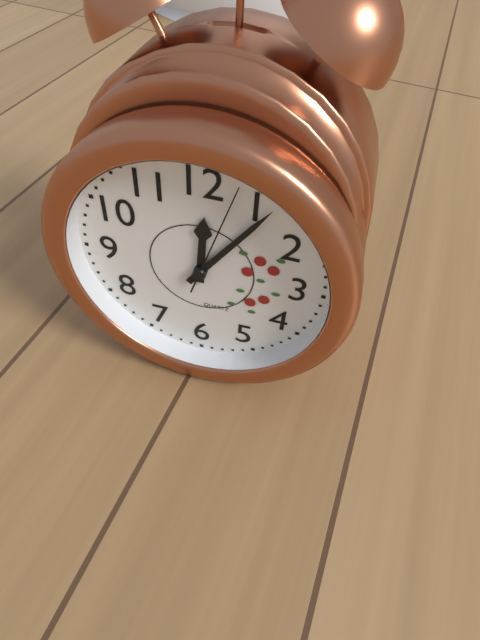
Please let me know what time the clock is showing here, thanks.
12:06:03
